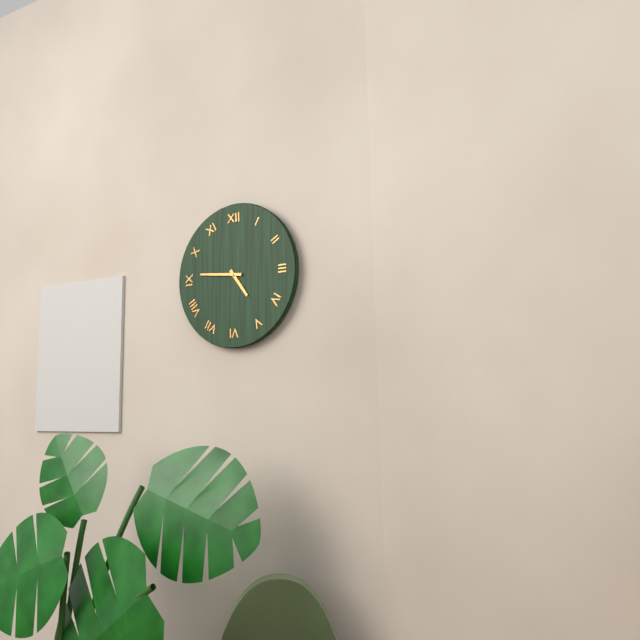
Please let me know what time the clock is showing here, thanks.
4:46
